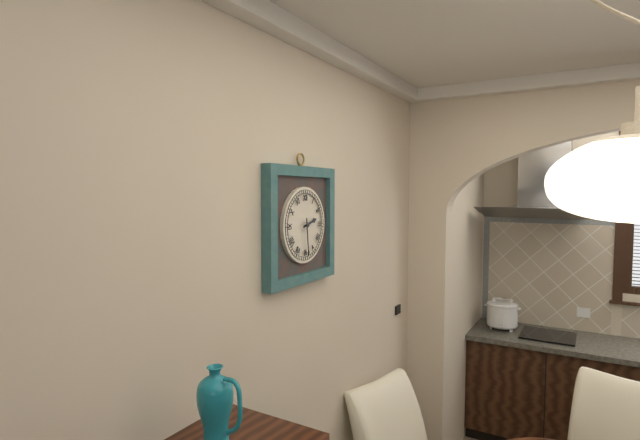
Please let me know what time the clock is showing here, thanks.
2:29
